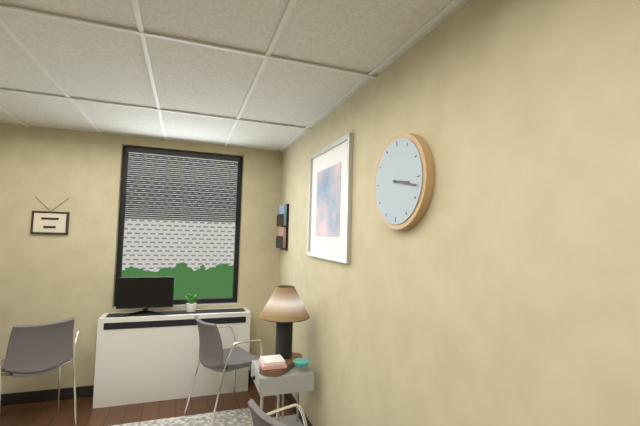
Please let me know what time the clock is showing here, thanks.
3:17
